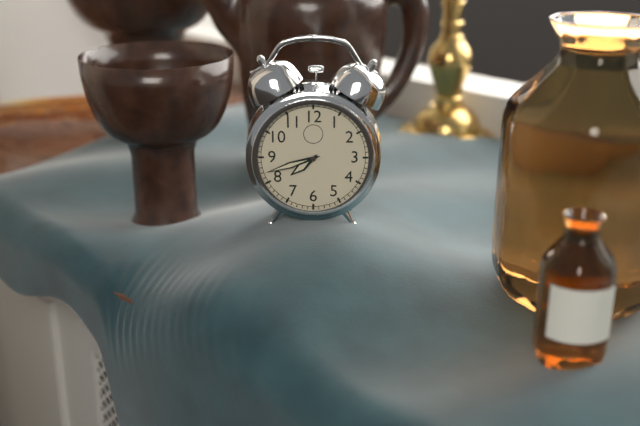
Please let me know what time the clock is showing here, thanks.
7:42
